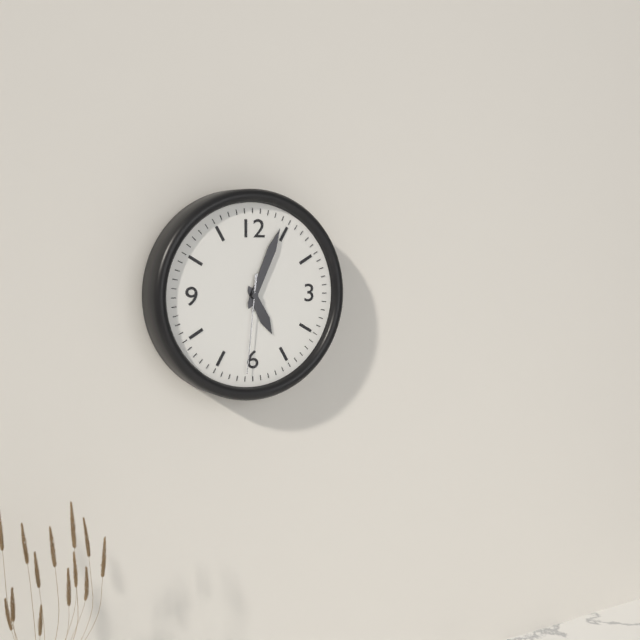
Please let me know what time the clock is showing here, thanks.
5:04:31
